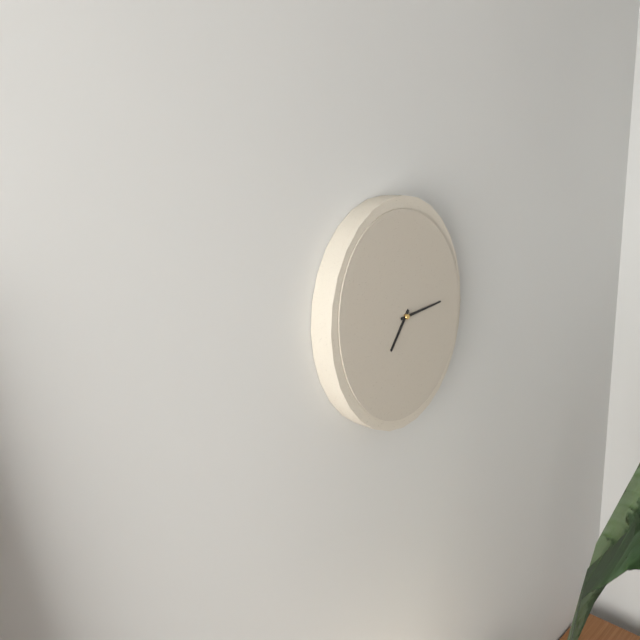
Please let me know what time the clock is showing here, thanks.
7:14
